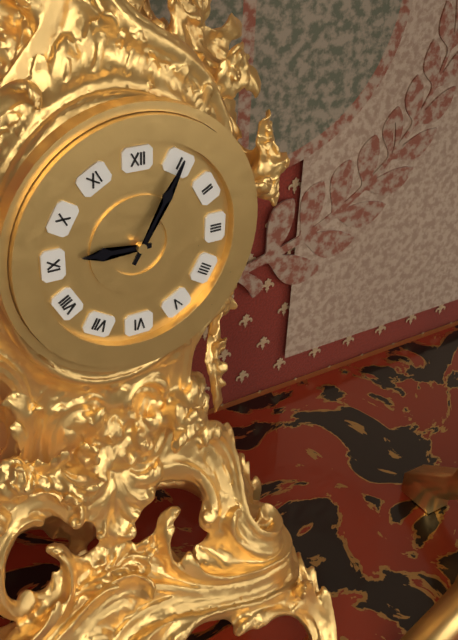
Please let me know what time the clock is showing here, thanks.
9:05
